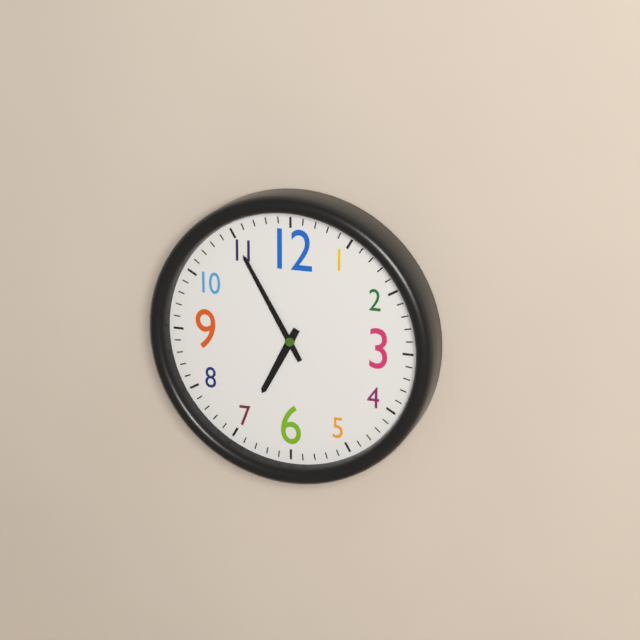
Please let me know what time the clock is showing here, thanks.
6:55
